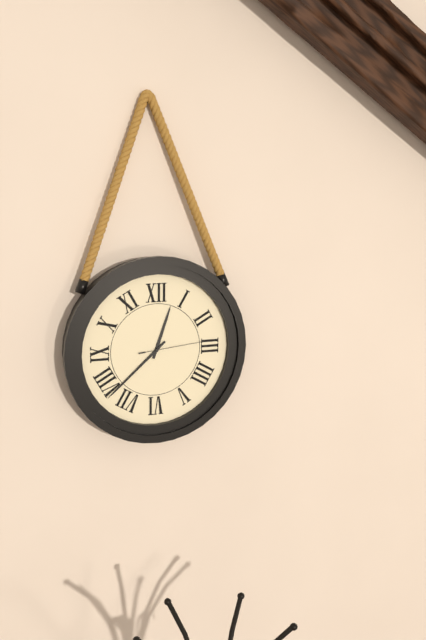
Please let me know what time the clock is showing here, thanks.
12:38:14
